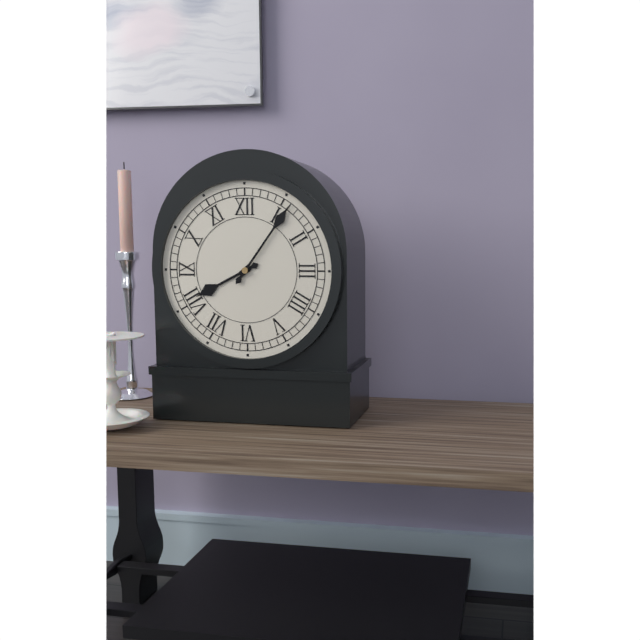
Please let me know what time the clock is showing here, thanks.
8:06
